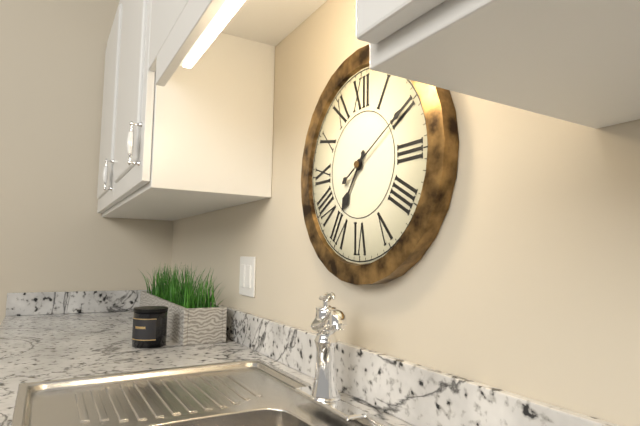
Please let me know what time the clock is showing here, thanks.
7:10
